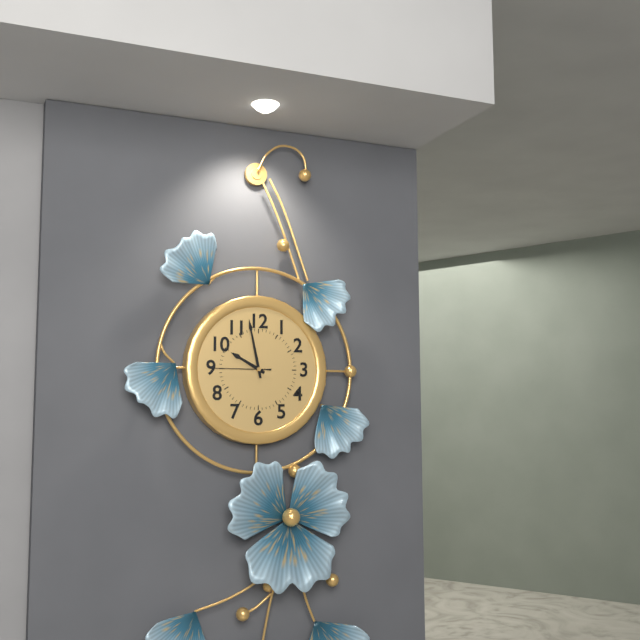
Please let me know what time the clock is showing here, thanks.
9:58:45
